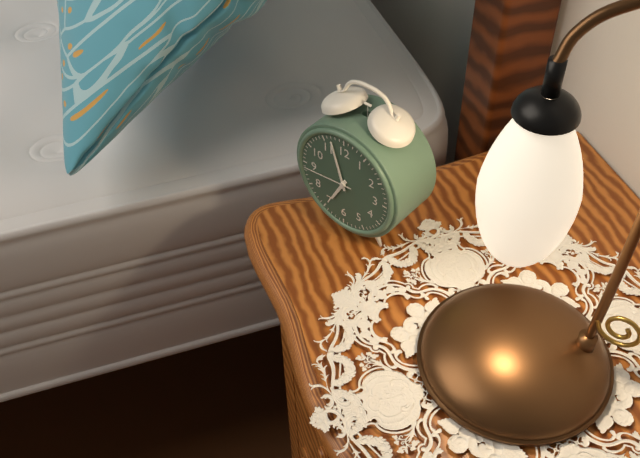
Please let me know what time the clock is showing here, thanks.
6:57:44
